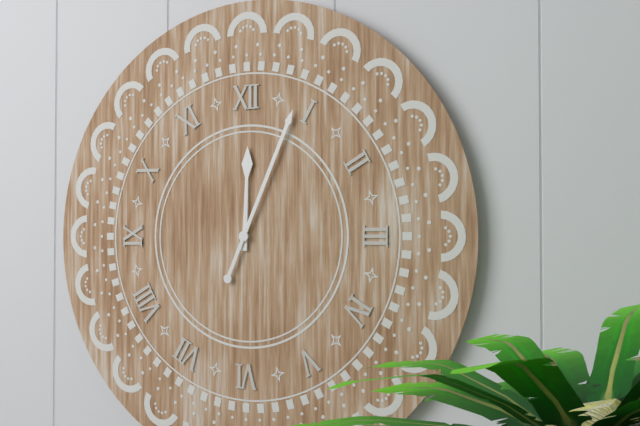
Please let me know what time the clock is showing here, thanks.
12:04
